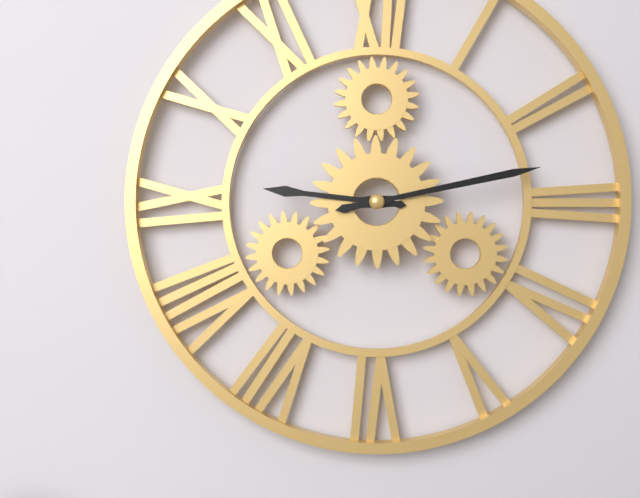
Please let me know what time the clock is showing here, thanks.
9:13
